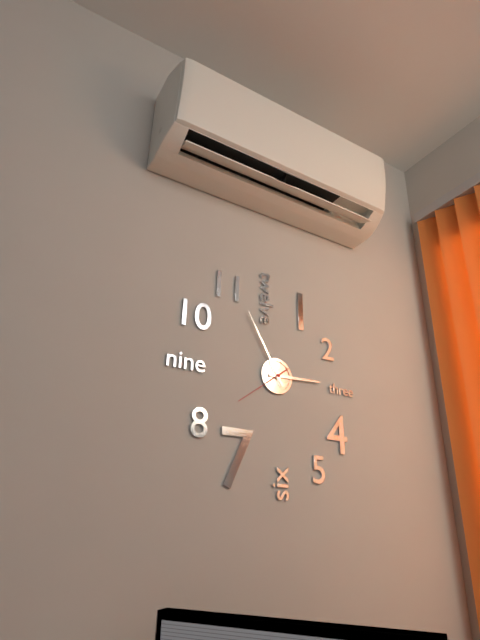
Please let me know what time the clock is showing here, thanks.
2:55:39
